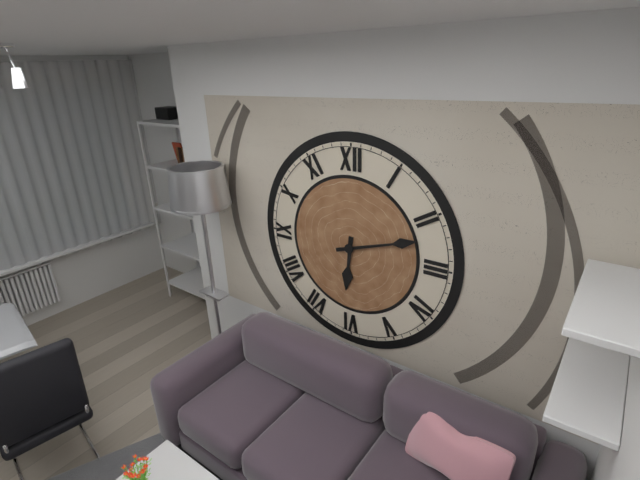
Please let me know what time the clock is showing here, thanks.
6:12
